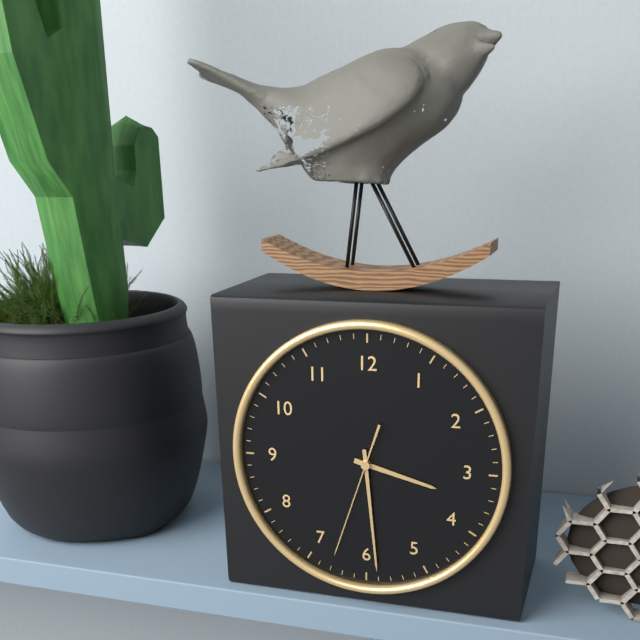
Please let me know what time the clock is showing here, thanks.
3:29:33
